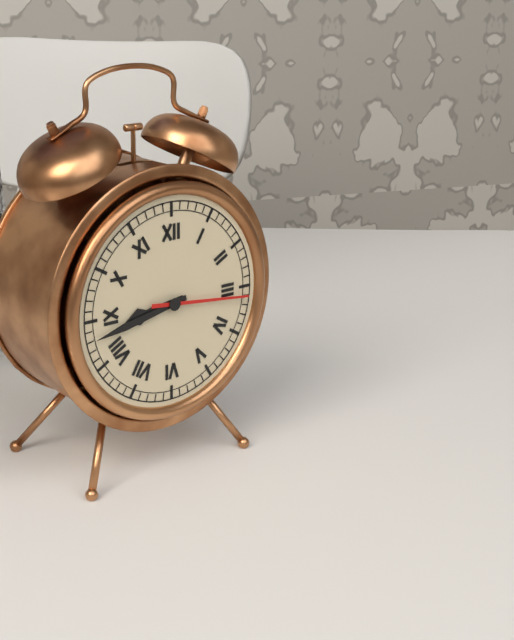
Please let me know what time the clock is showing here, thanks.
8:43:16
